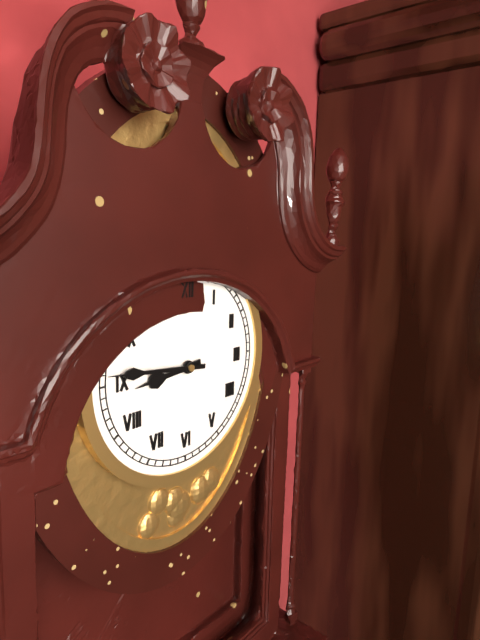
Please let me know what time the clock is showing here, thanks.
8:46
